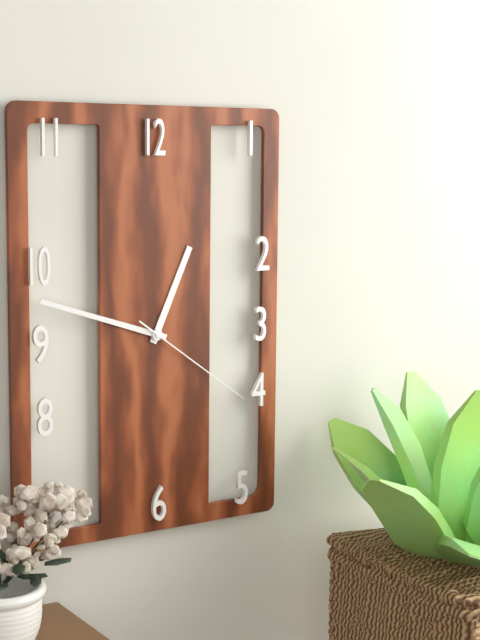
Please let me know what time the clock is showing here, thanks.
12:48:21
